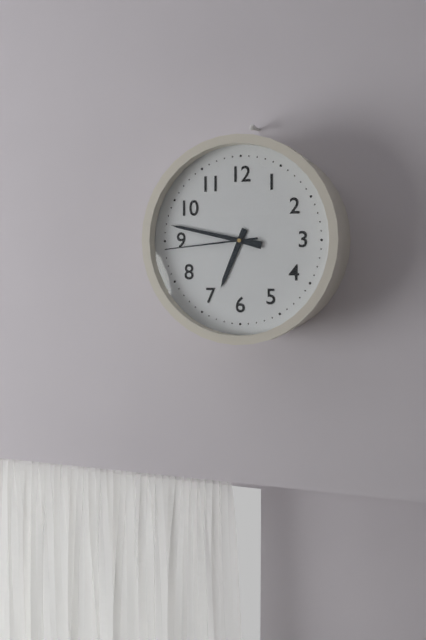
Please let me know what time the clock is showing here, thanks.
6:47:44
